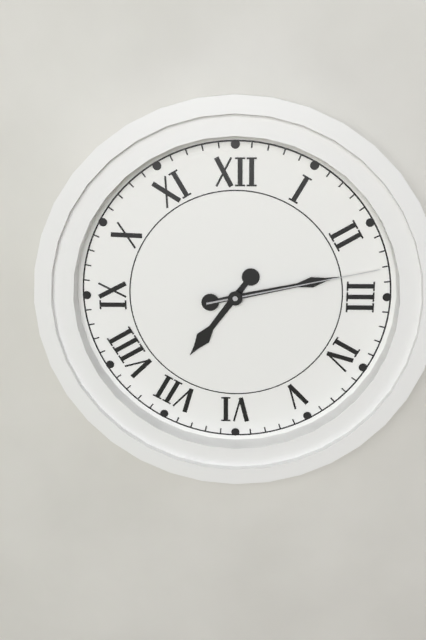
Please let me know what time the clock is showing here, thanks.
7:13:13
